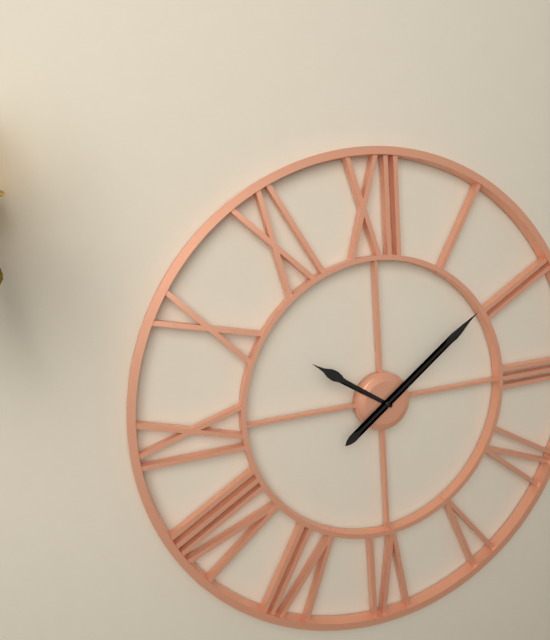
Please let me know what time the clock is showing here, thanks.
10:09
